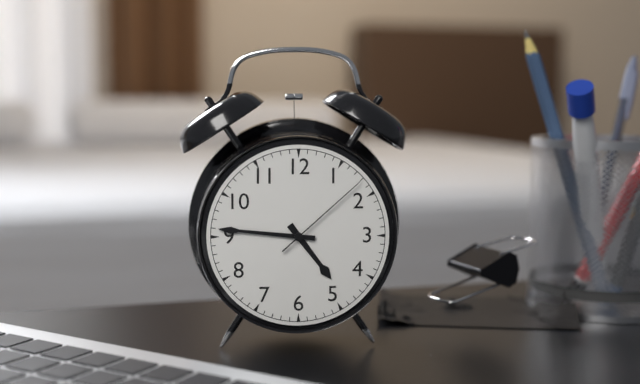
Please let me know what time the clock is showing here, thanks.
4:46:08
